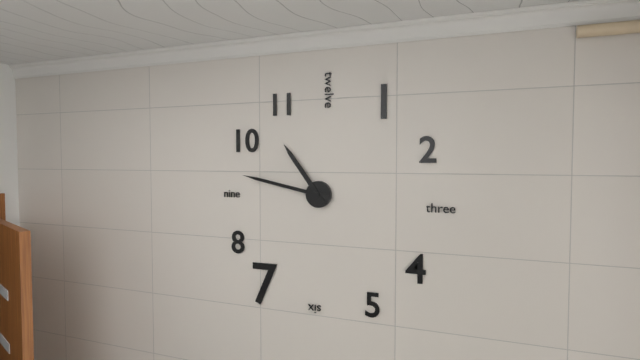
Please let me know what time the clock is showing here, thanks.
10:47
